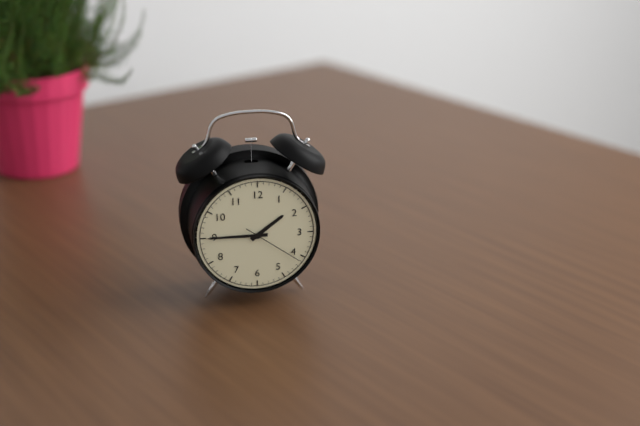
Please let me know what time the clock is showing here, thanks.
1:45:21
